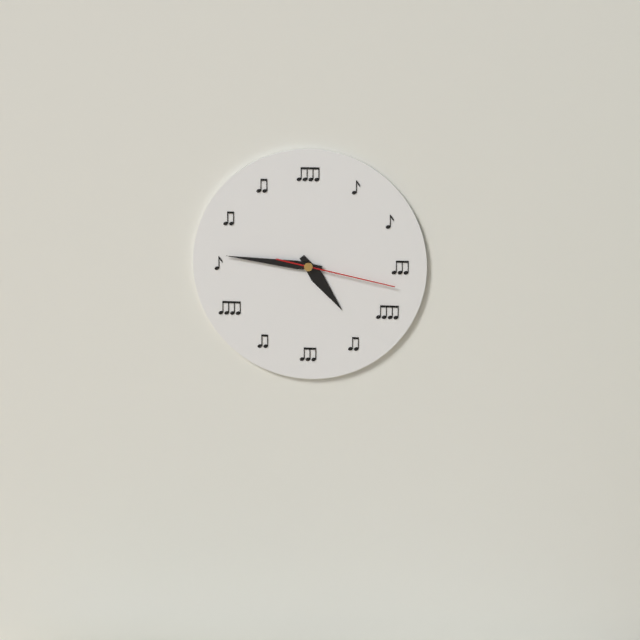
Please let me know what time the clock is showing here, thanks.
4:46:17
